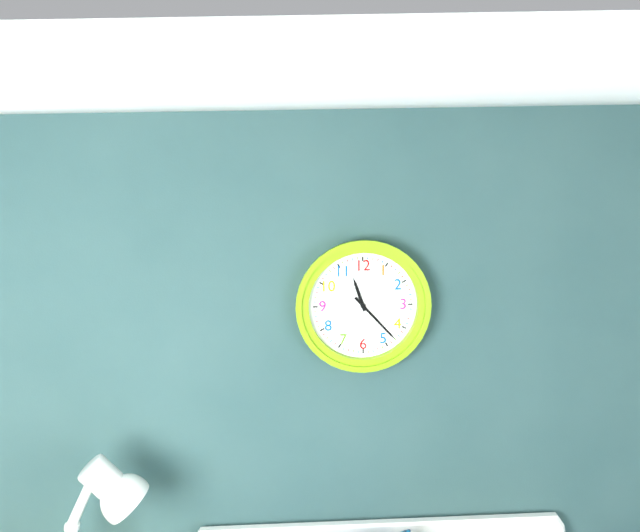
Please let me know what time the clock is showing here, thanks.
11:23
